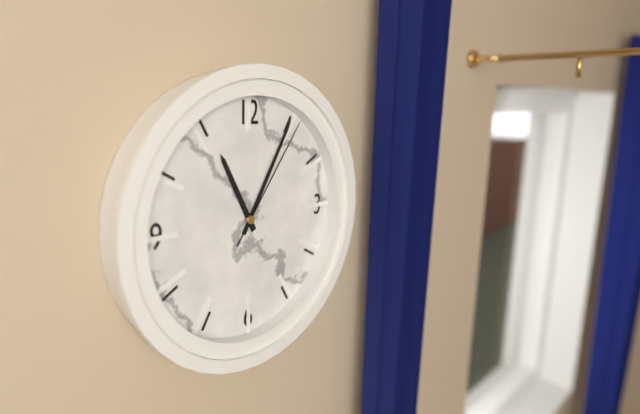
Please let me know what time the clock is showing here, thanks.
11:05:06
